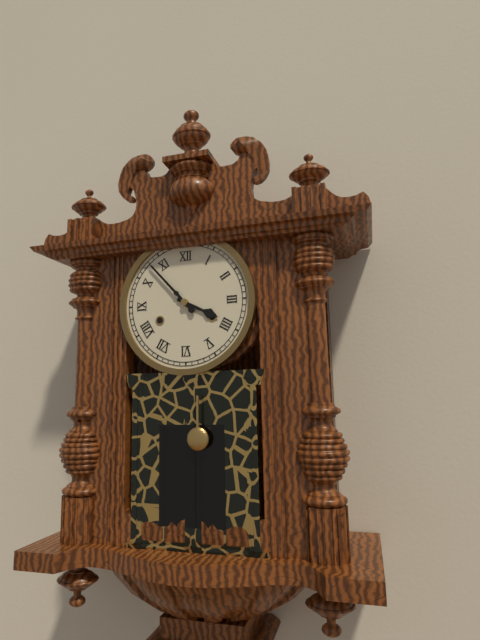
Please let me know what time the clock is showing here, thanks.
3:53
